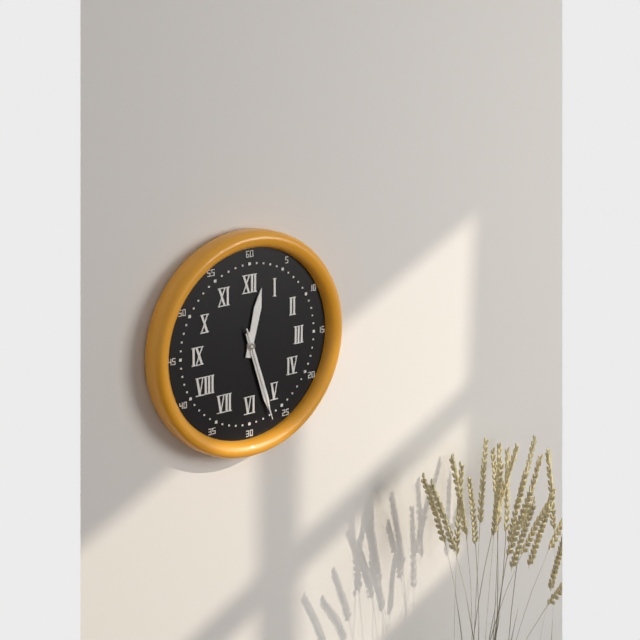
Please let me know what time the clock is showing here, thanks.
12:27:27
